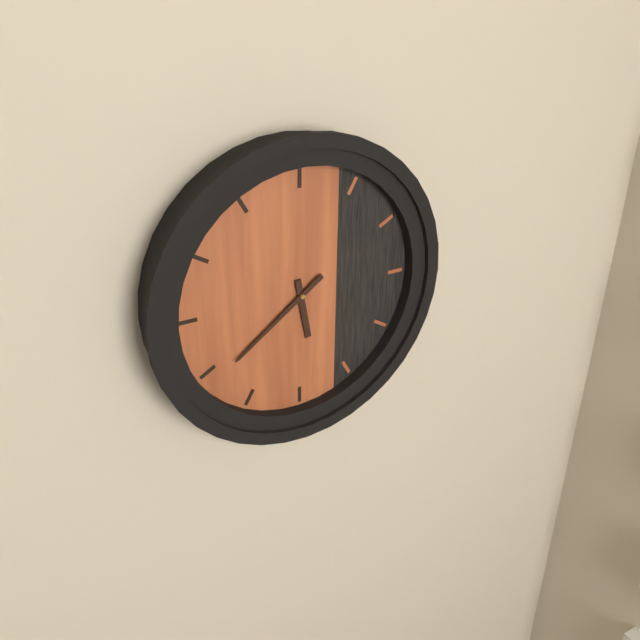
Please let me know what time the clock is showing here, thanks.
5:39
